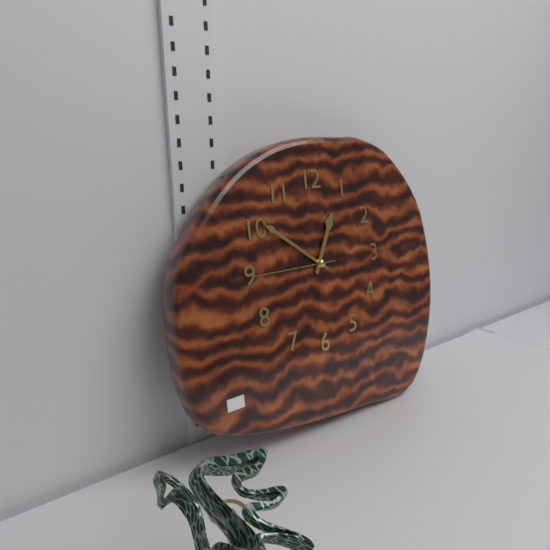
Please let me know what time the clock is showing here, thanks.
12:51:45
